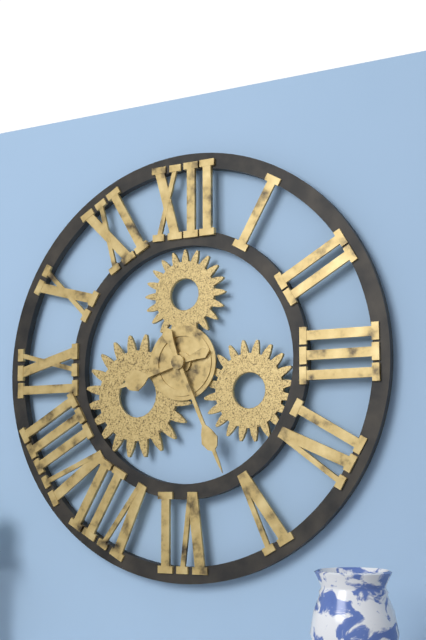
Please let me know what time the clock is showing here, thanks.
8:26
